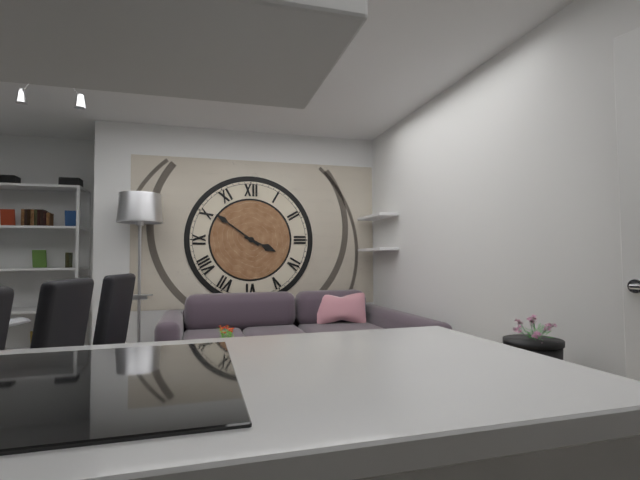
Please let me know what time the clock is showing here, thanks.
3:51
